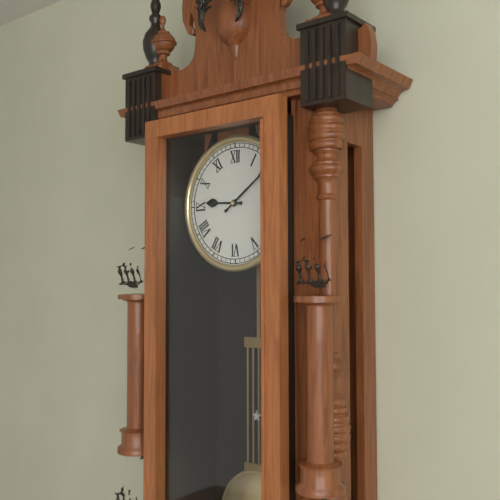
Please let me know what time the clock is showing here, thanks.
9:09
